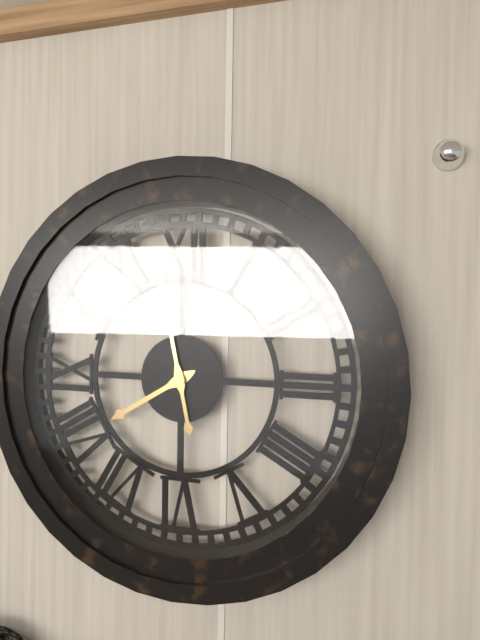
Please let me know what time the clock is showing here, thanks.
7:58
